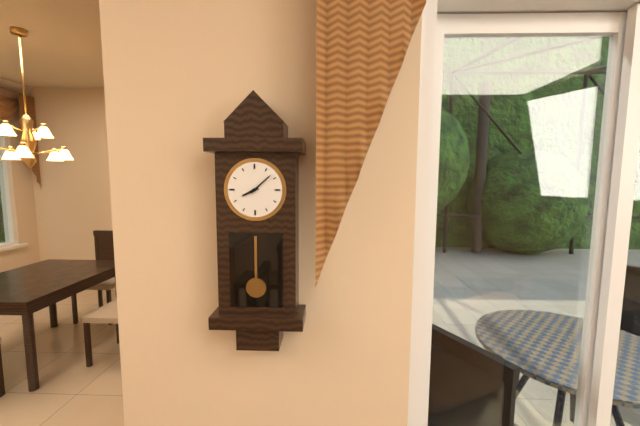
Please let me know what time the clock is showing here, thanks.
8:08
